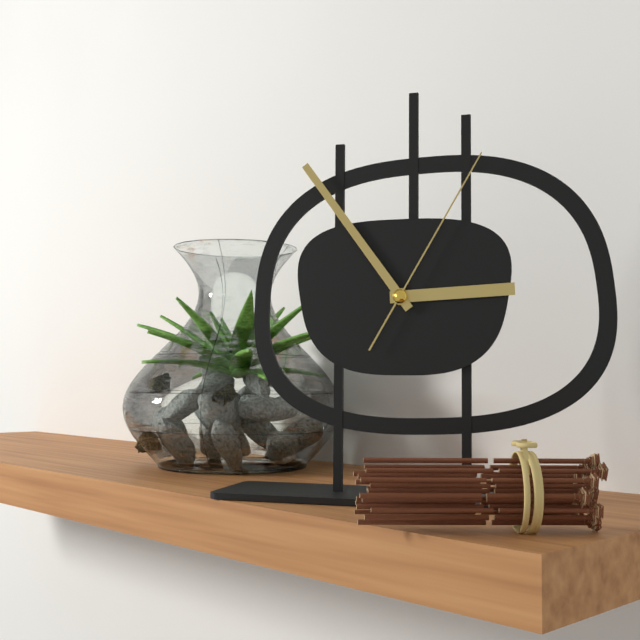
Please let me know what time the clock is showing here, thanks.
2:54:05
